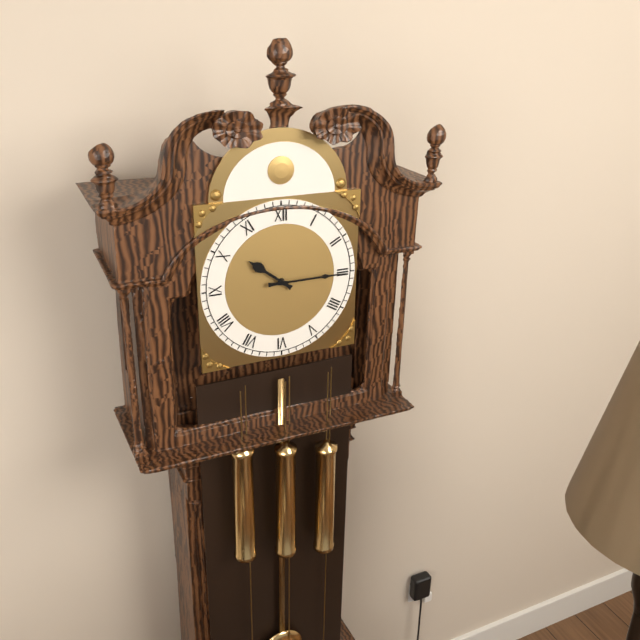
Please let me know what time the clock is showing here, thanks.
10:15
